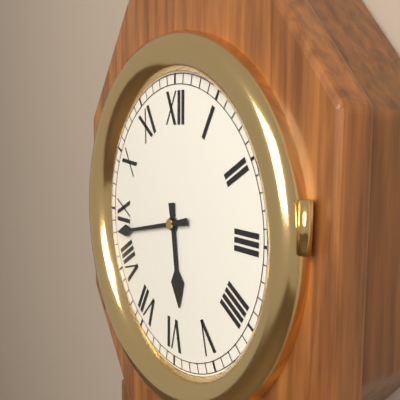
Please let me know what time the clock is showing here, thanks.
5:43
